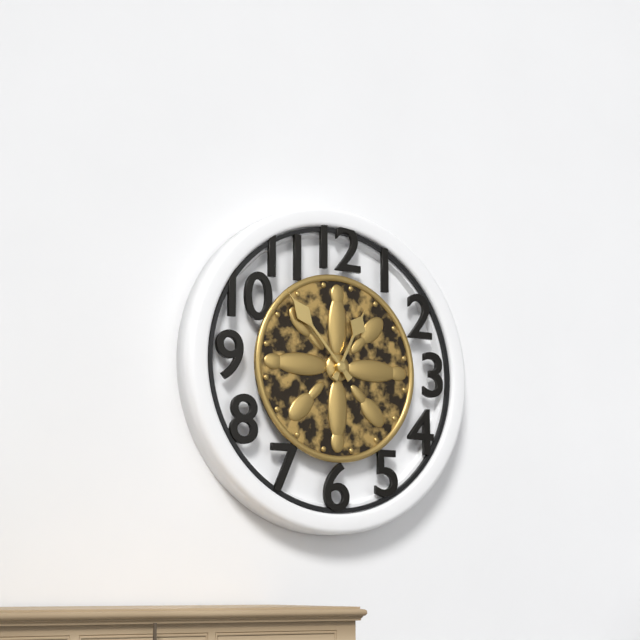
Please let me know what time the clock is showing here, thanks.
12:53
